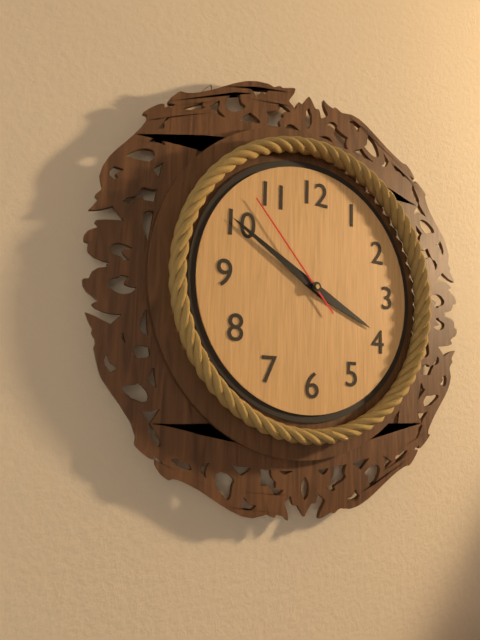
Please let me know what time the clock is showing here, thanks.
3:50:53
